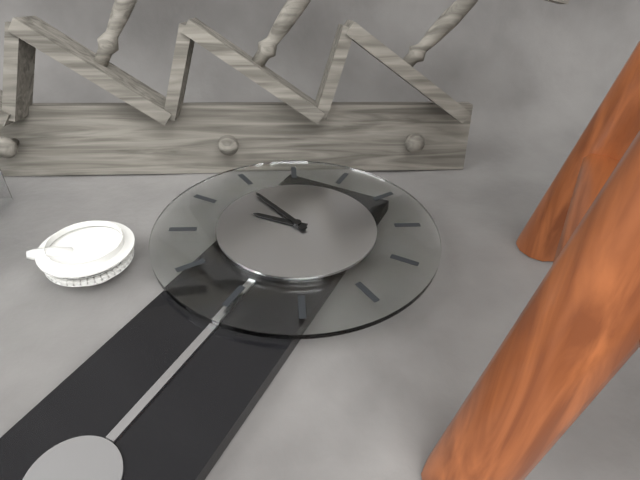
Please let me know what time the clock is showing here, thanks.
8:49
